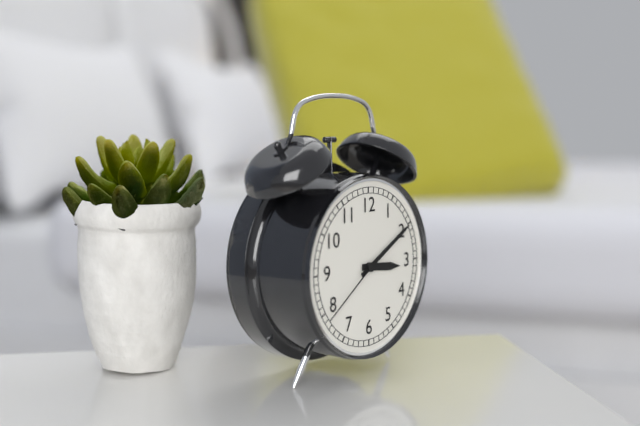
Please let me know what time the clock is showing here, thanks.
3:10:39
